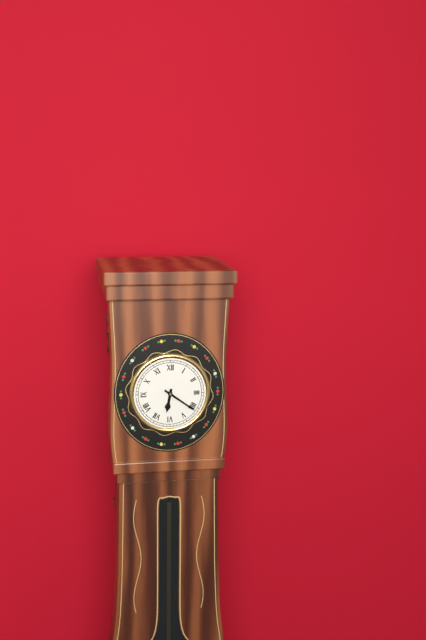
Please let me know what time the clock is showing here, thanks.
6:21
